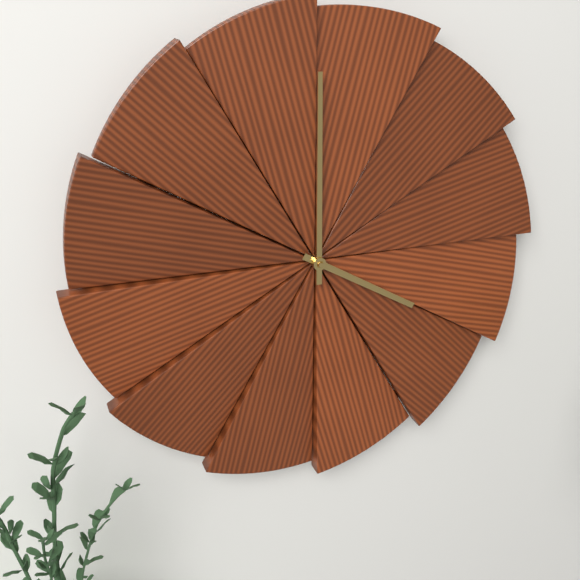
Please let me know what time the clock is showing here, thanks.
4:00
